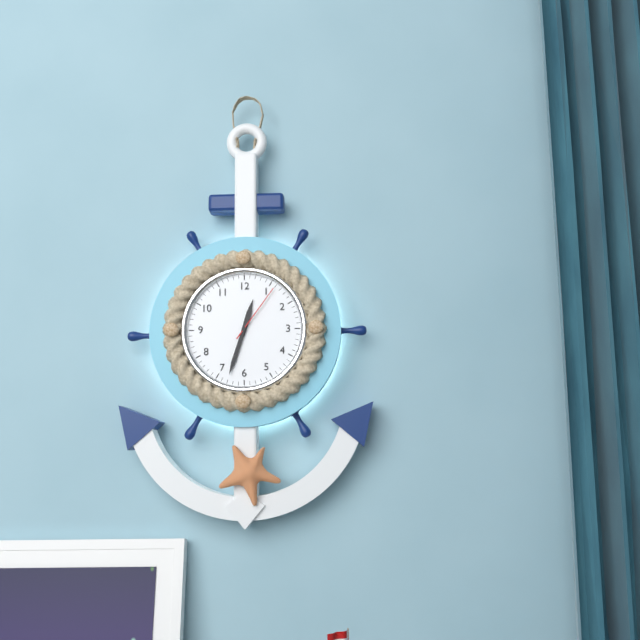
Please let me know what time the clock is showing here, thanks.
12:33:06
